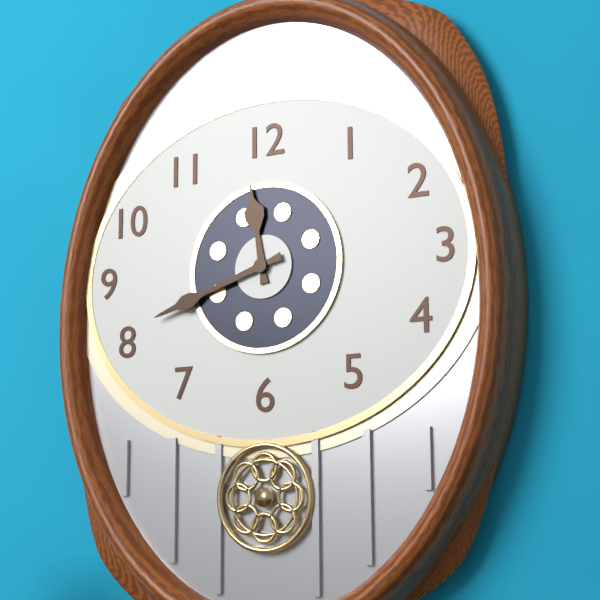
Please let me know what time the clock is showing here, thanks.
11:42
